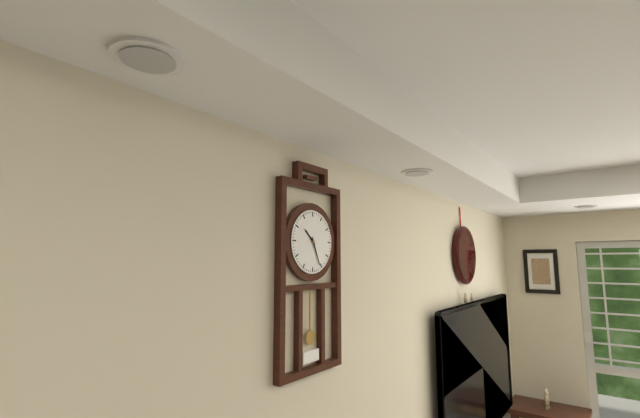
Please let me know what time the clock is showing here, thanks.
10:26
